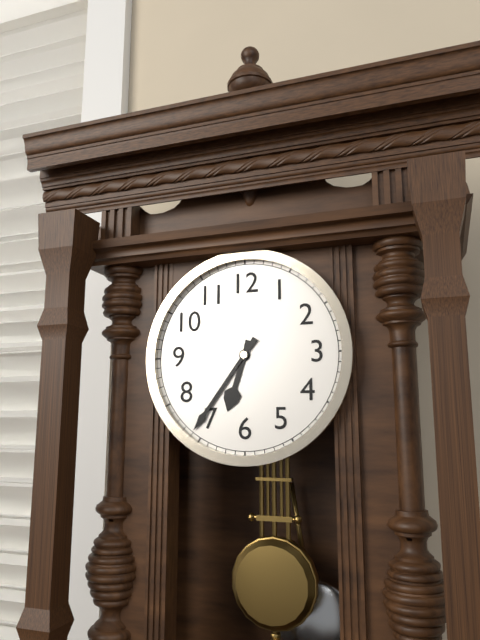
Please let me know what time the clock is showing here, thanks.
6:36
